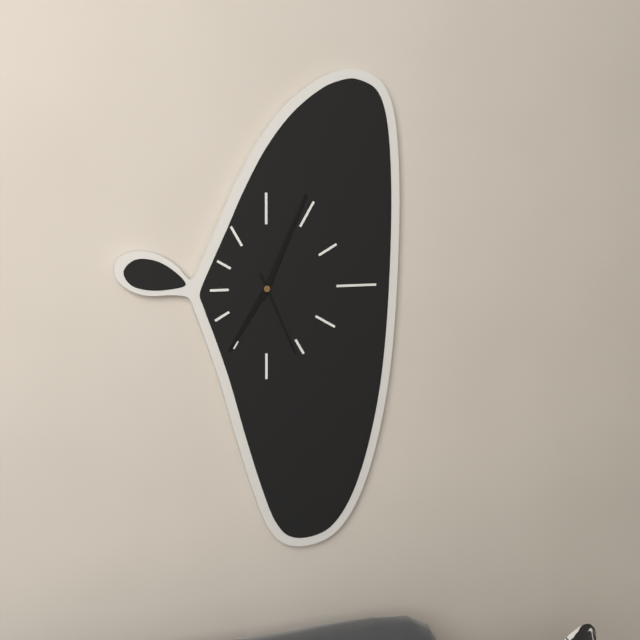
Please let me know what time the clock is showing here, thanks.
7:04:26
